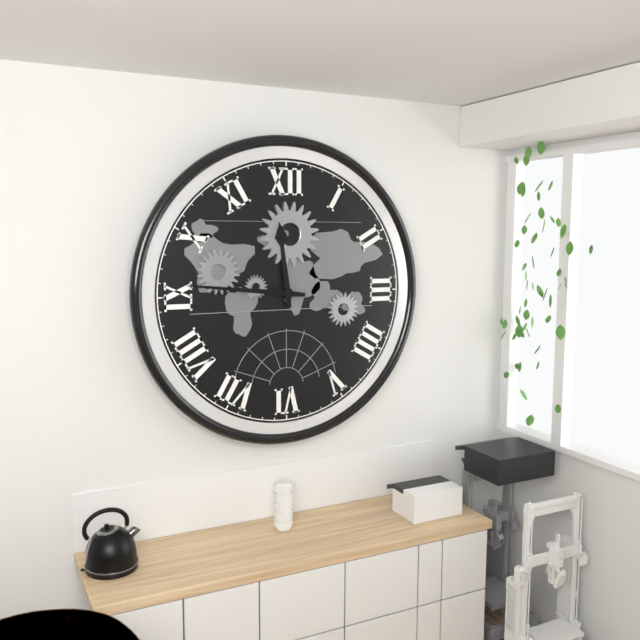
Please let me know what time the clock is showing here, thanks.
11:46
